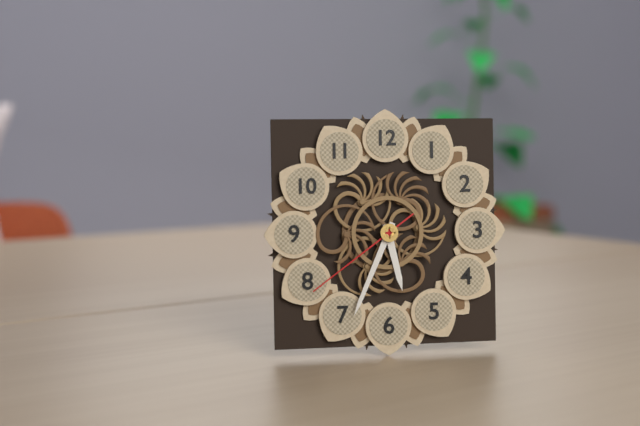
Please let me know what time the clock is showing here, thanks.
5:34:39
